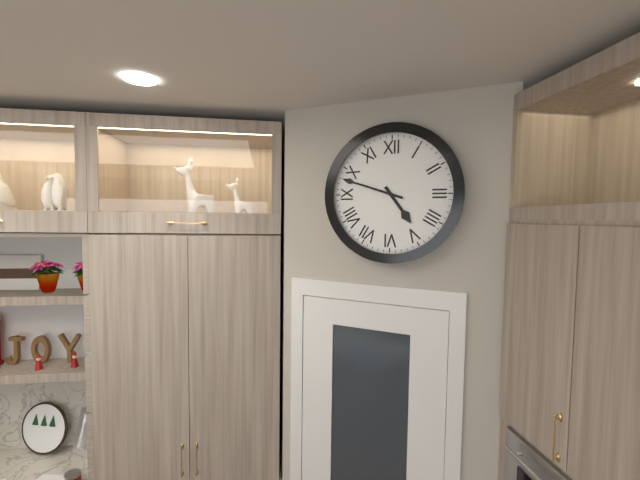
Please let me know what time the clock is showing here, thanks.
4:48
